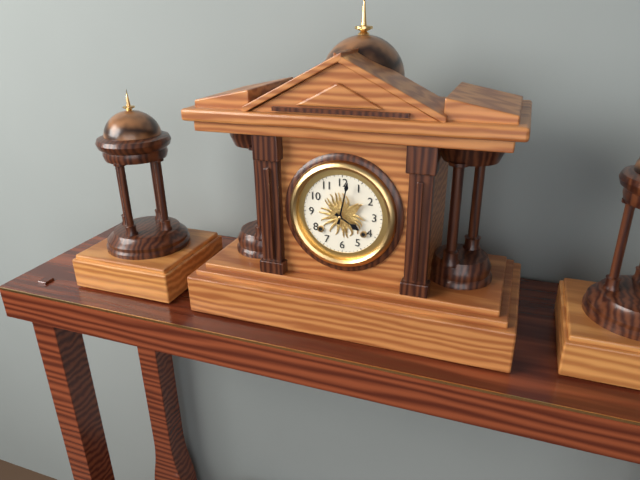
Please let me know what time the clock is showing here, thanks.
4:02
